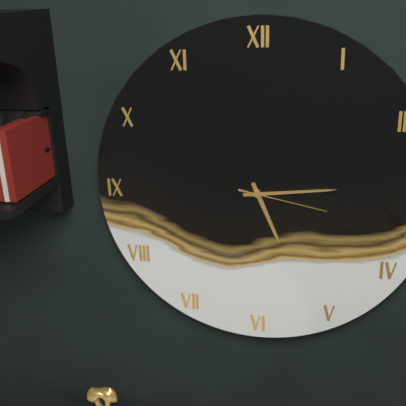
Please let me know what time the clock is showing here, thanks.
5:14:17
